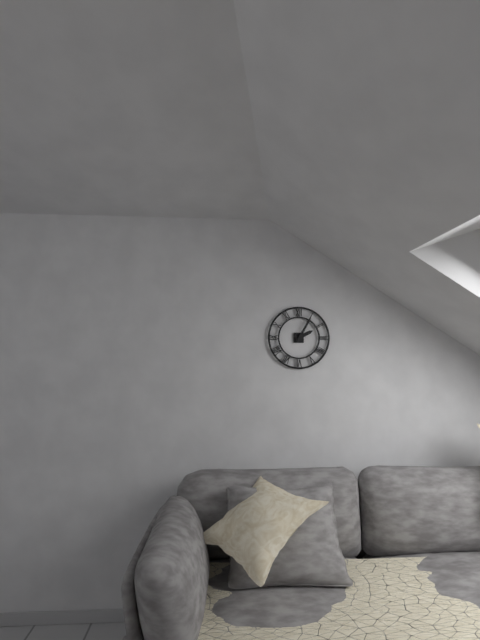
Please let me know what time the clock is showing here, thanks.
2:05
